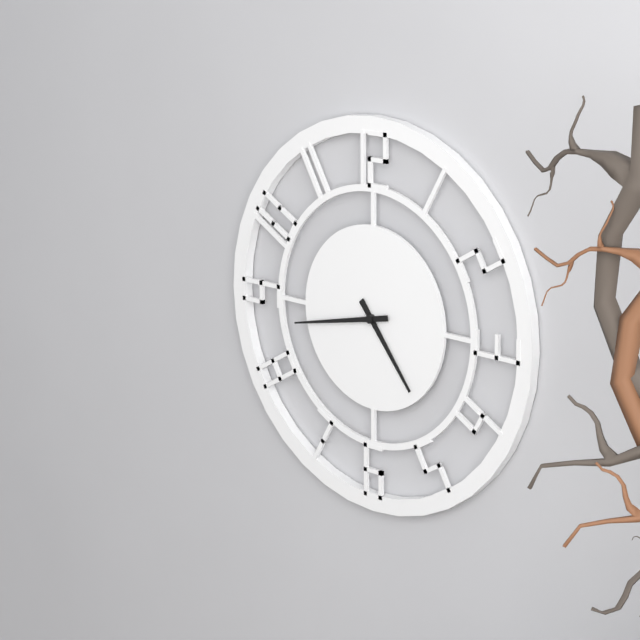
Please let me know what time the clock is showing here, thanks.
4:43
